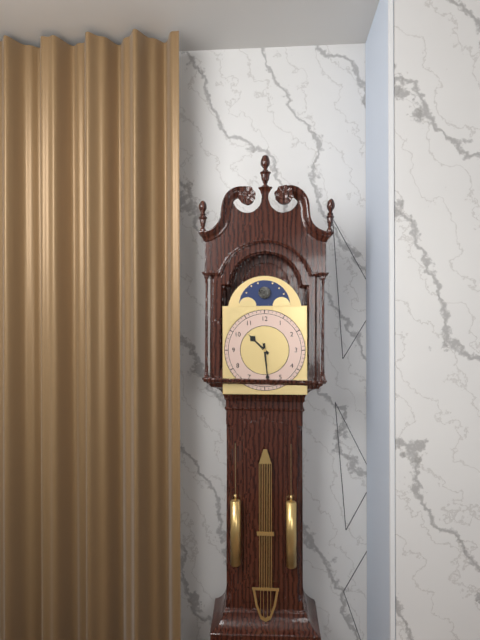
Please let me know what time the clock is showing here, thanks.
10:29
